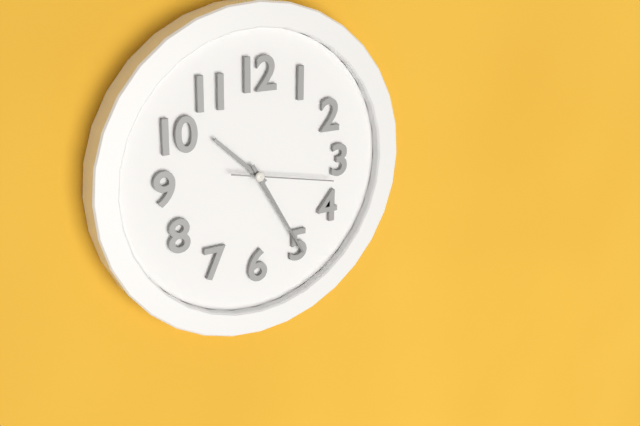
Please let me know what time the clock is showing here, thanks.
10:25:17
